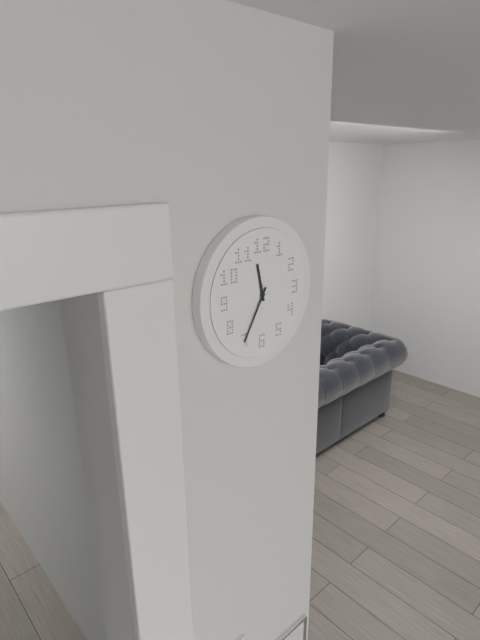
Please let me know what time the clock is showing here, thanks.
11:35
